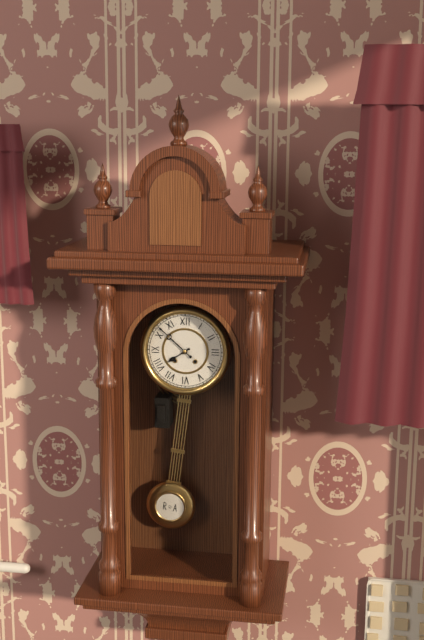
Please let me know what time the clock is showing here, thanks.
7:52
